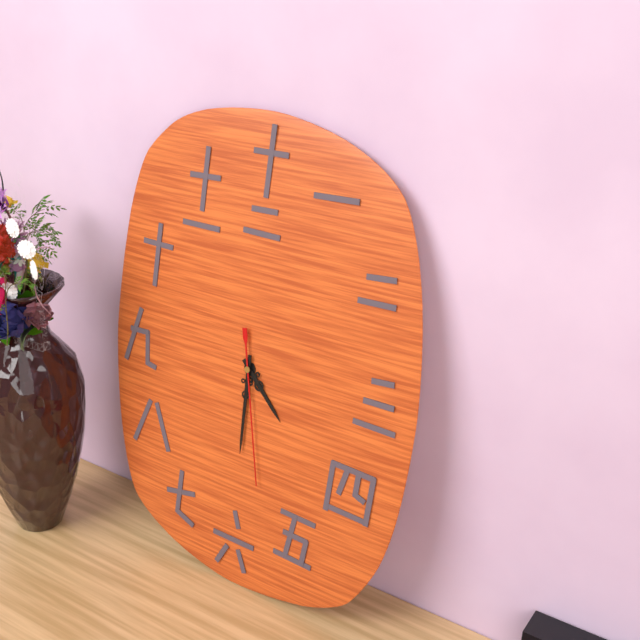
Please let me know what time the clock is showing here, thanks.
4:30:28
